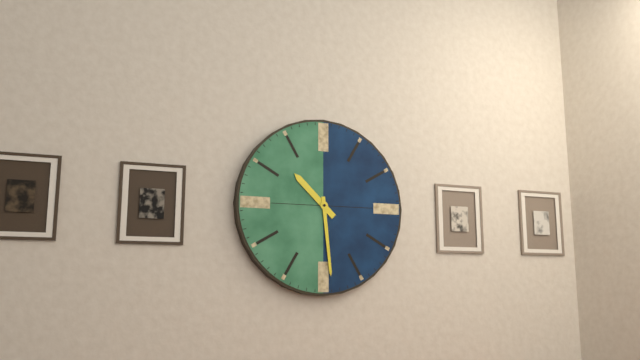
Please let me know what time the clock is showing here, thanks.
10:29
